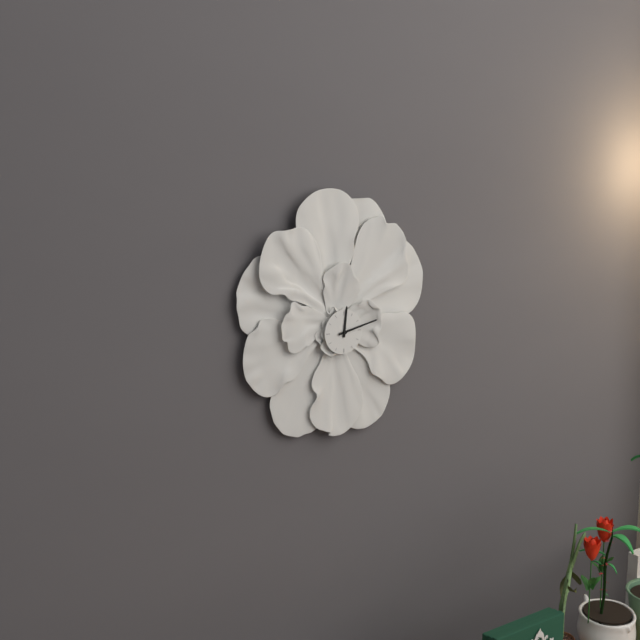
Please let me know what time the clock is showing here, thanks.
12:13
